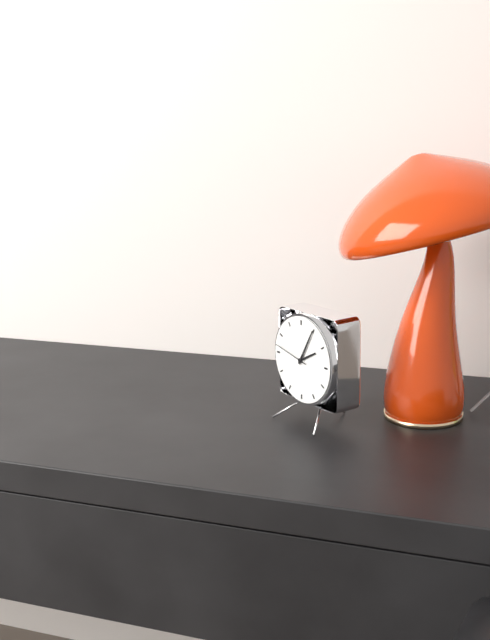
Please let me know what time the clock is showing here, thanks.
2:05:47
